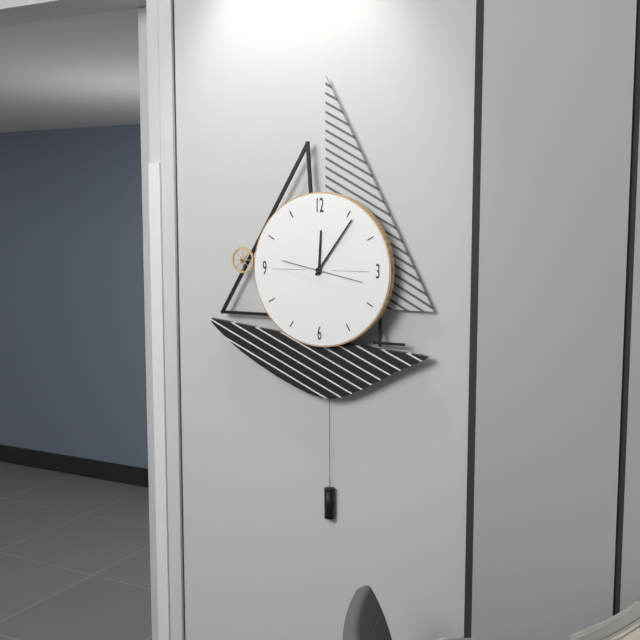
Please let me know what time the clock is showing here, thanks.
12:06:17
